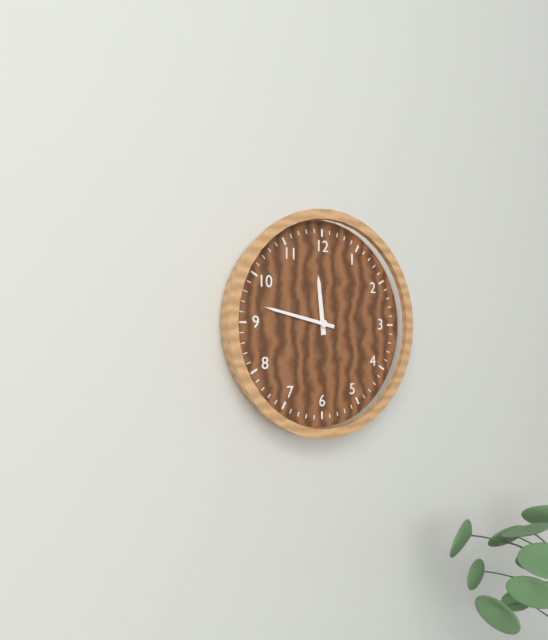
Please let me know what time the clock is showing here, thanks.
11:47
